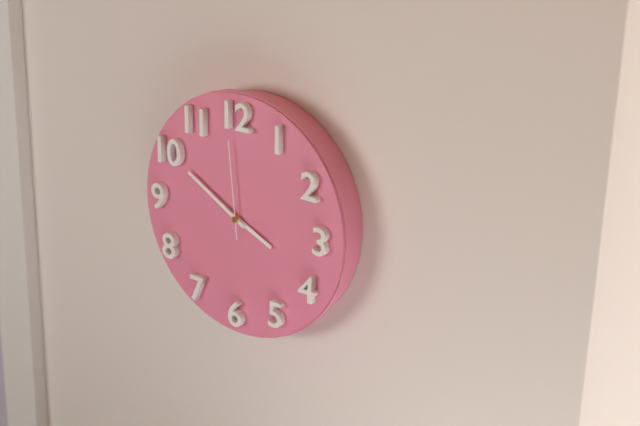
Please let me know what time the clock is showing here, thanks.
3:50:59
